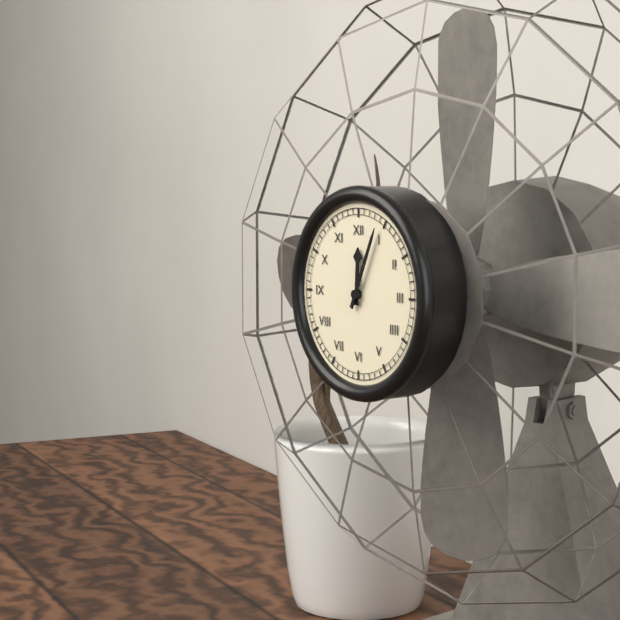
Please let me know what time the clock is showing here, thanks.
12:04
